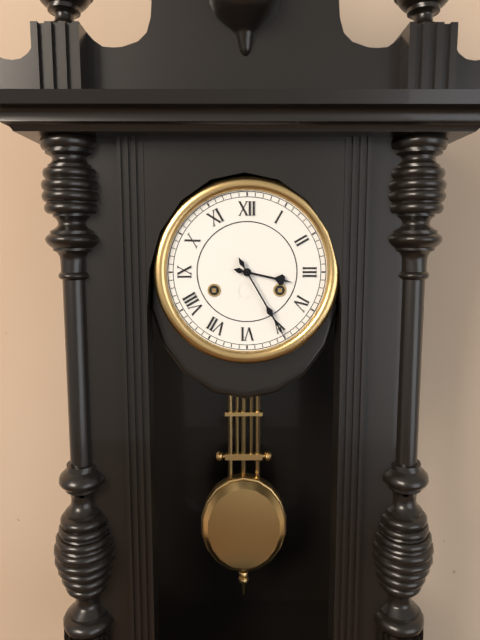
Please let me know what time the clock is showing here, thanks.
3:25
